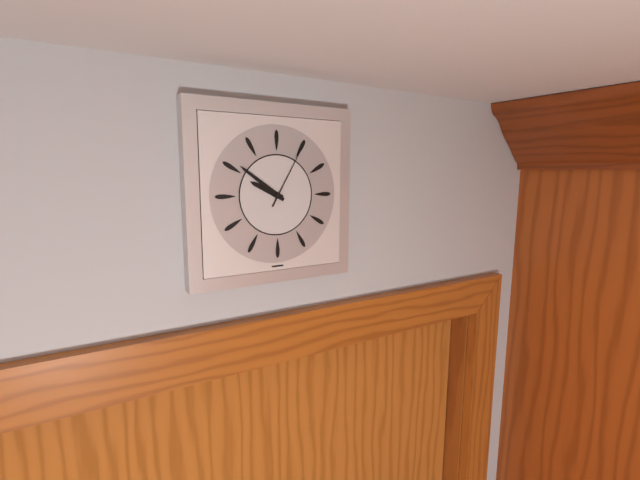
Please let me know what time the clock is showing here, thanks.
9:51:05
